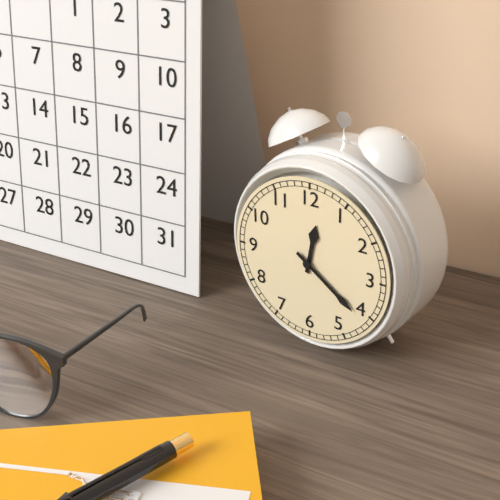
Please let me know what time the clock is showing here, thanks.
12:21
